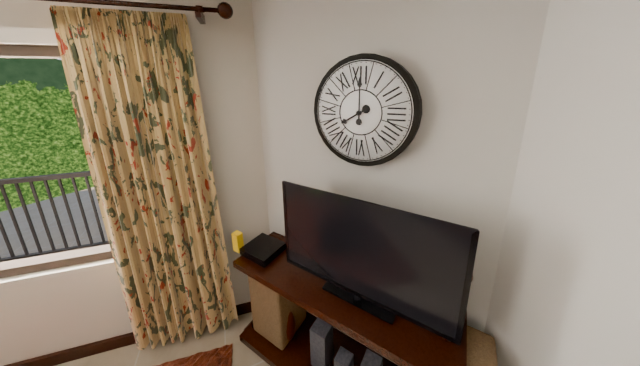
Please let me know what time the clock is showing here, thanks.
8:00
